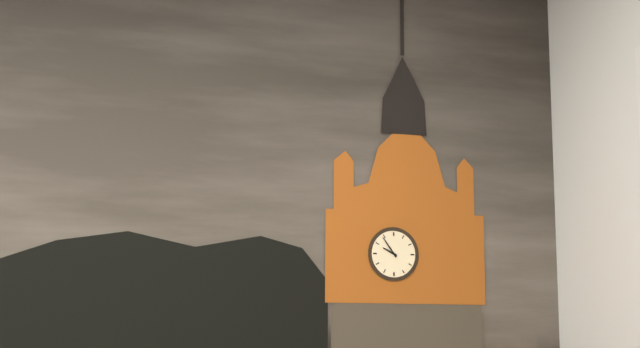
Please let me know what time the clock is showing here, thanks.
9:54
